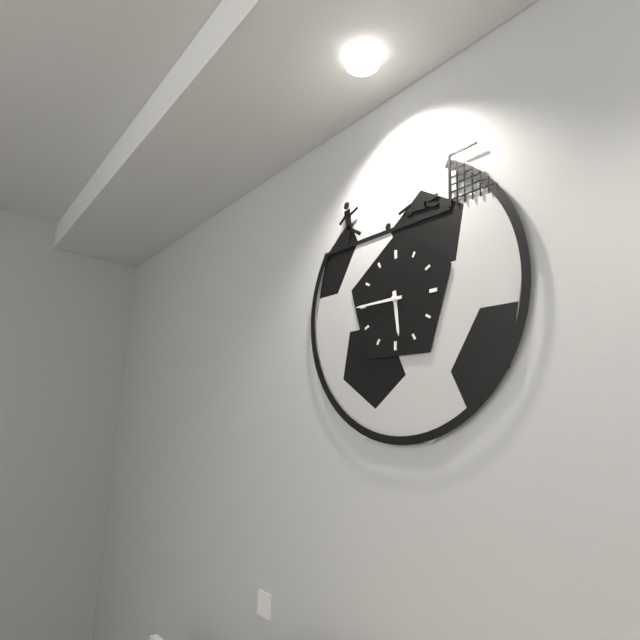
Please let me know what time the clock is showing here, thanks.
5:45
